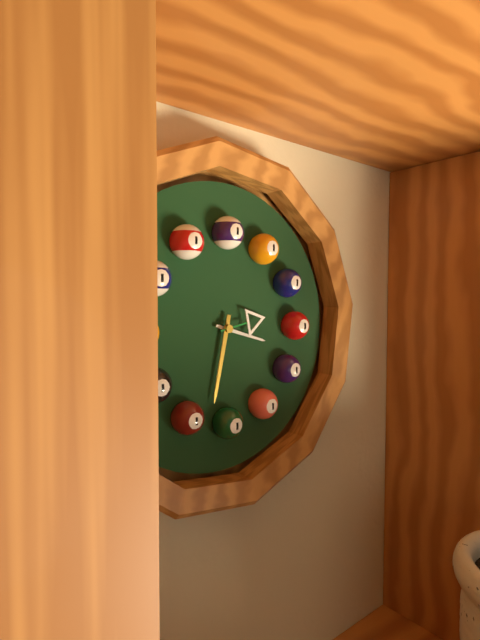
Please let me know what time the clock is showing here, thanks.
3:32
